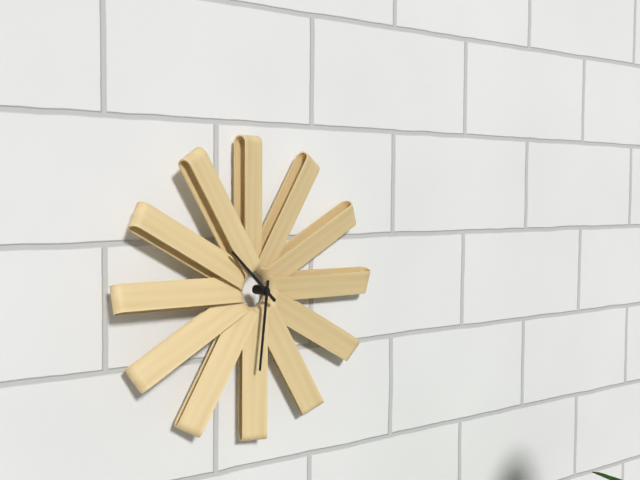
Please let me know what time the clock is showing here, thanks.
10:31
